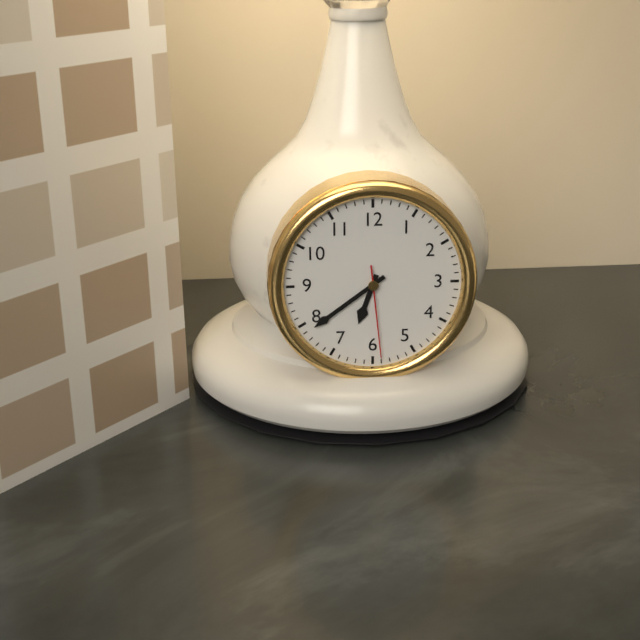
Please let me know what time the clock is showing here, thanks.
6:39:29
